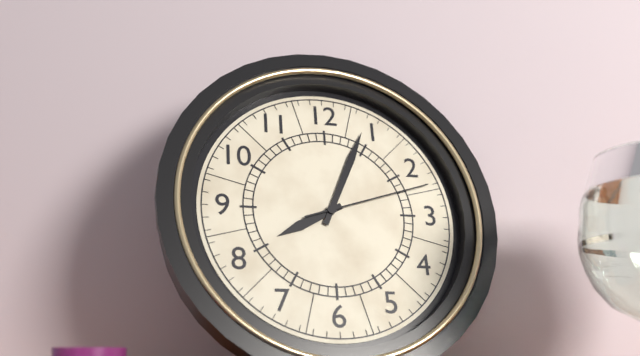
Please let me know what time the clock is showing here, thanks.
8:04:12
